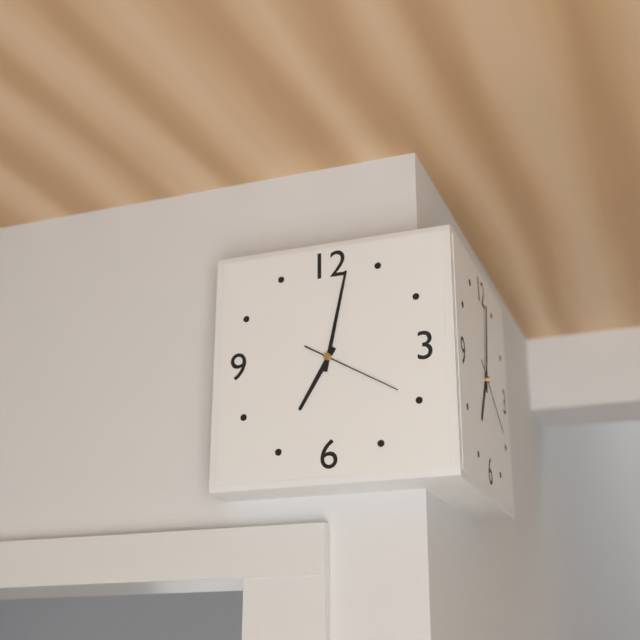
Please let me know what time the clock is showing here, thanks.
7:02:20
